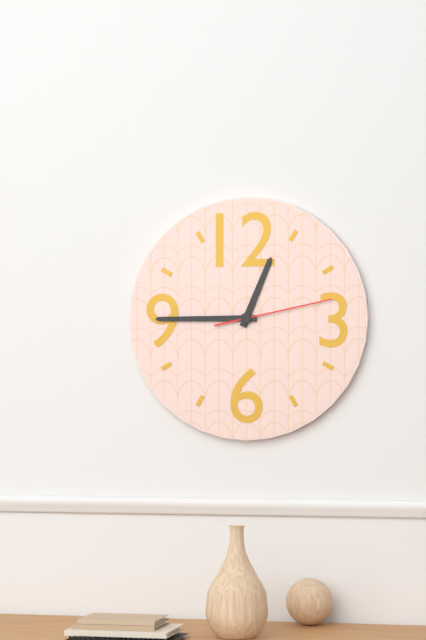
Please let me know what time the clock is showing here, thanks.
12:45:13
